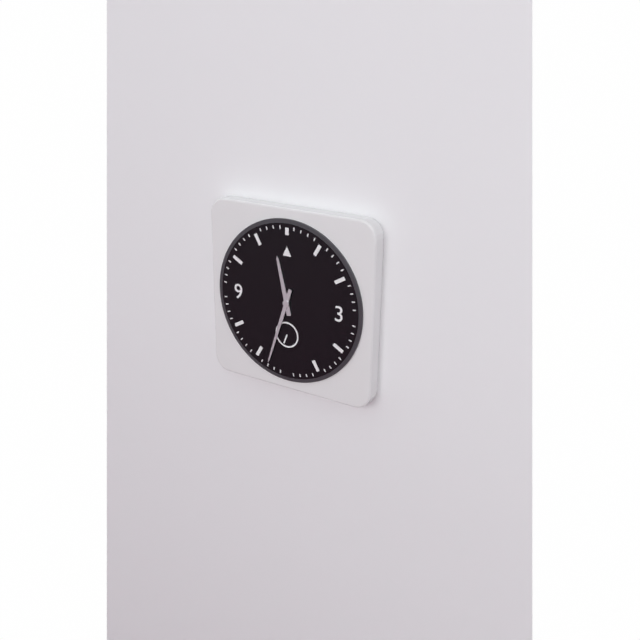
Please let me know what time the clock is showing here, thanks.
11:33
